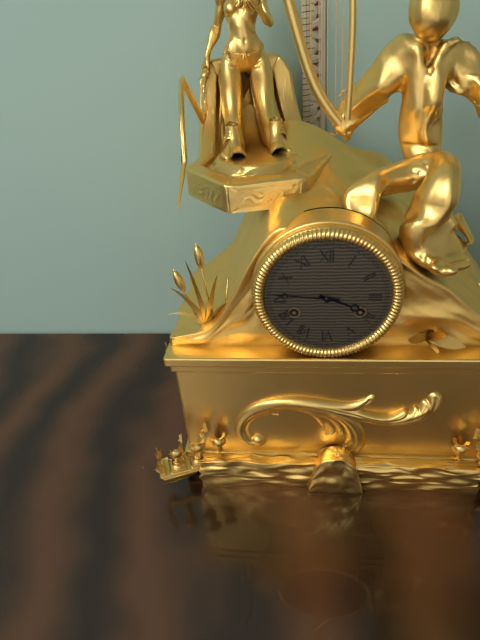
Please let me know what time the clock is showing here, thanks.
3:46
